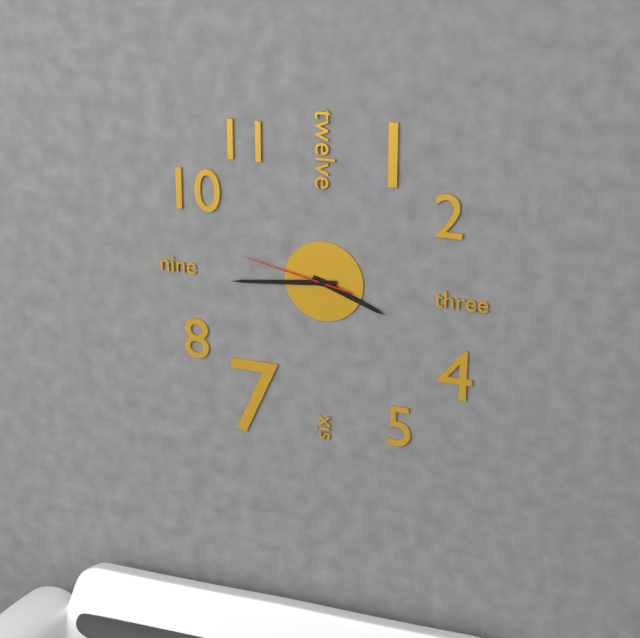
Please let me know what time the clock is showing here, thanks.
3:44:47
